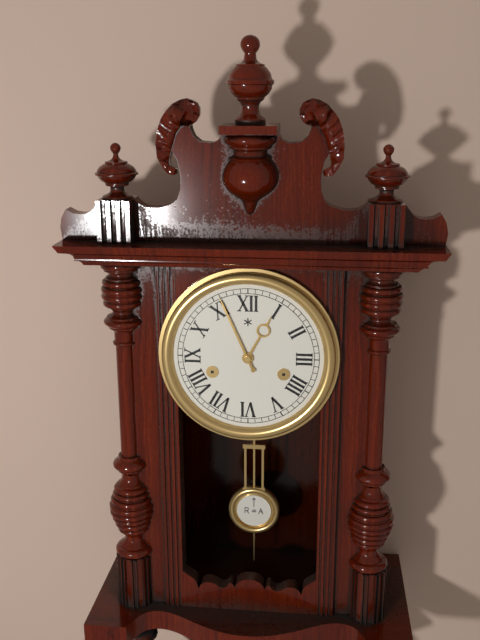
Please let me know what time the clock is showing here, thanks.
12:56
